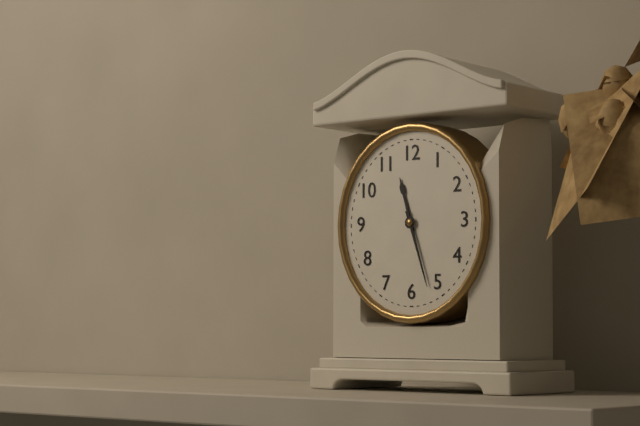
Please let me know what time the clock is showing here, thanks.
11:27
